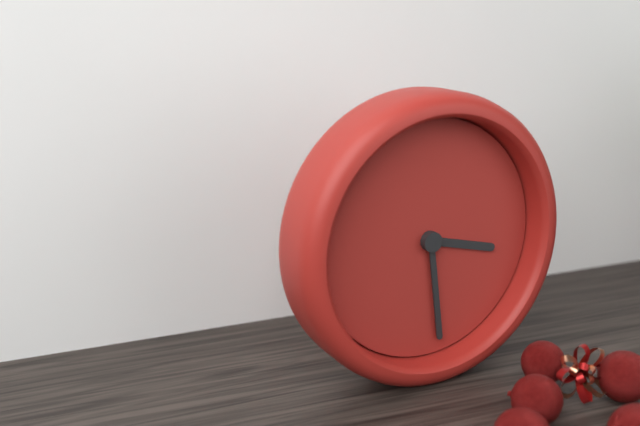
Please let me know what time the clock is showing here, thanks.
3:29
